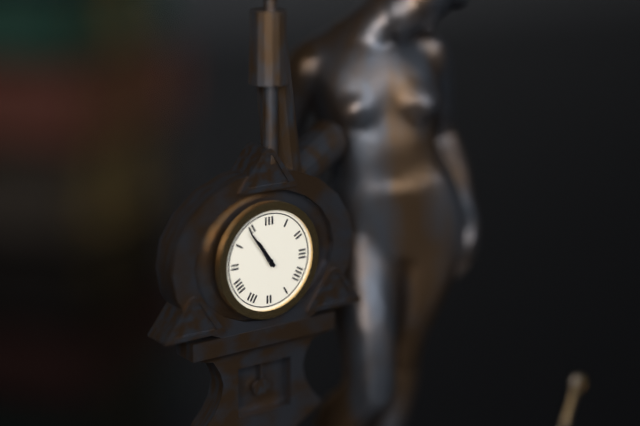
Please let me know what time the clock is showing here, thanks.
10:54
